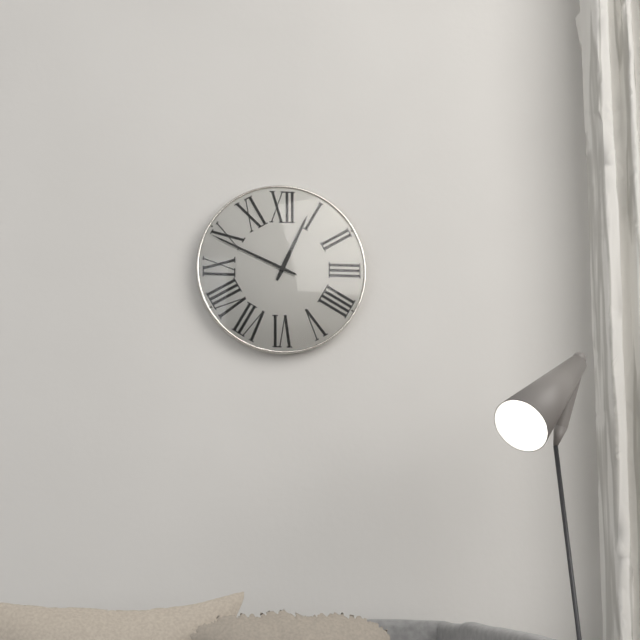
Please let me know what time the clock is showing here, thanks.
12:49
